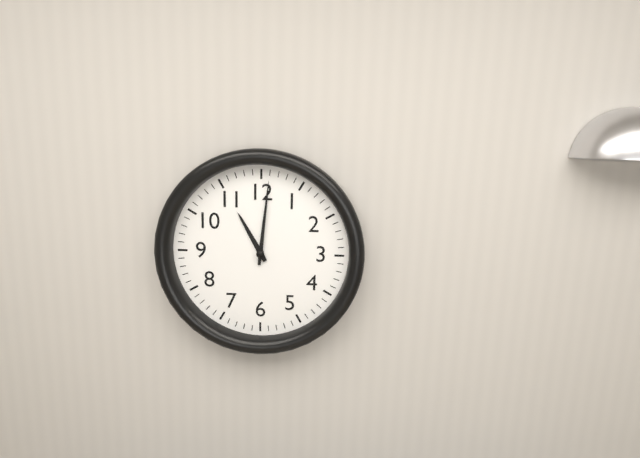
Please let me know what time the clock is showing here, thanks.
11:01
